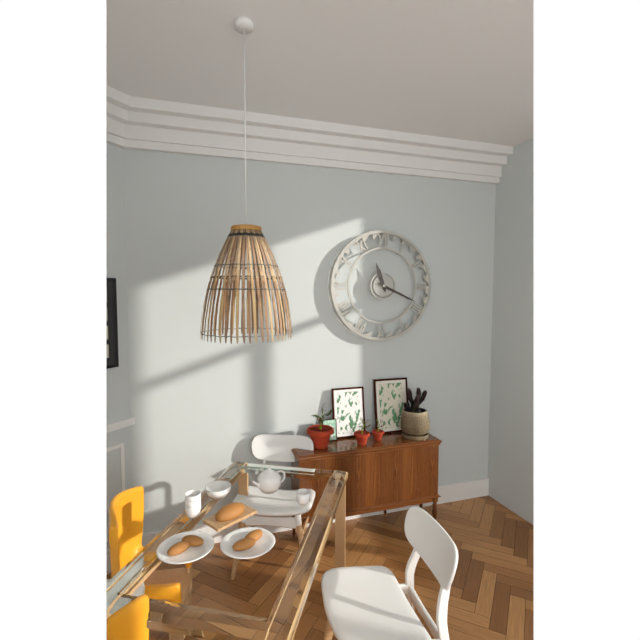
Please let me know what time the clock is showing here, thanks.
11:19
